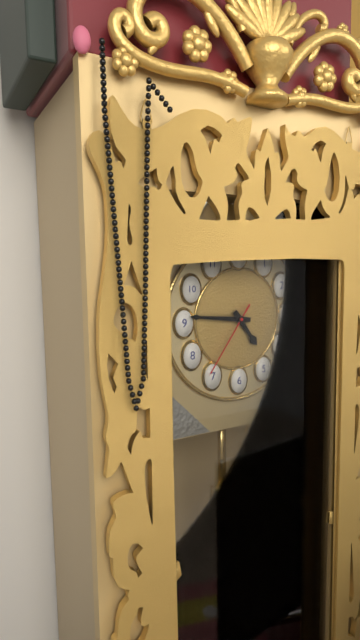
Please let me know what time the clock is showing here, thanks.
4:46:36
